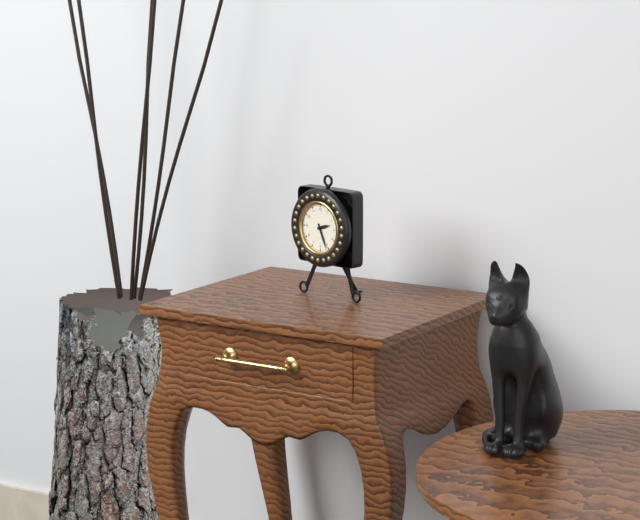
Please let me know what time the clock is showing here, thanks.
2:26
